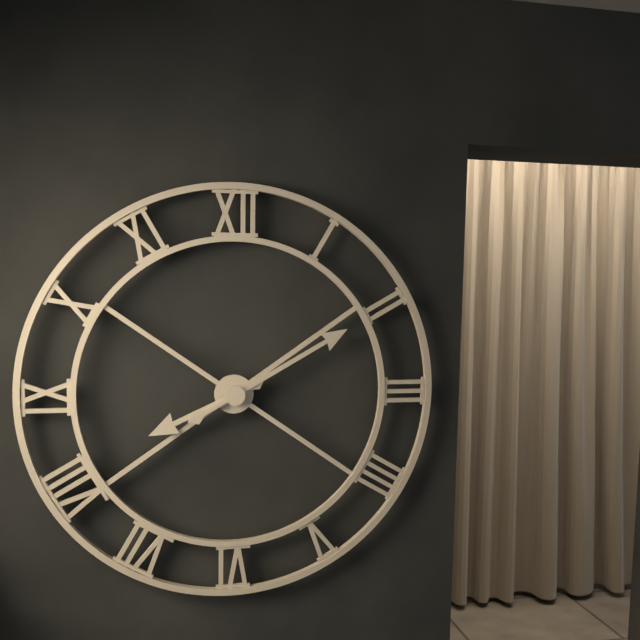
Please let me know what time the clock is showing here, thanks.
8:10
